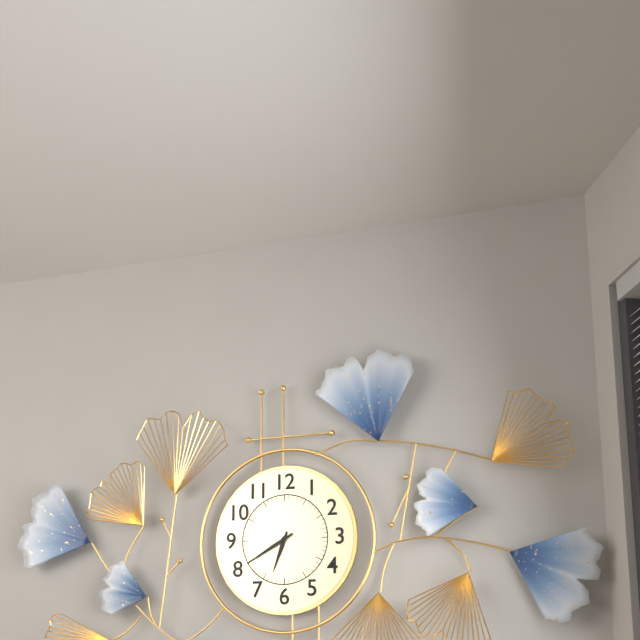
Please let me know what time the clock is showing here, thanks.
6:40
